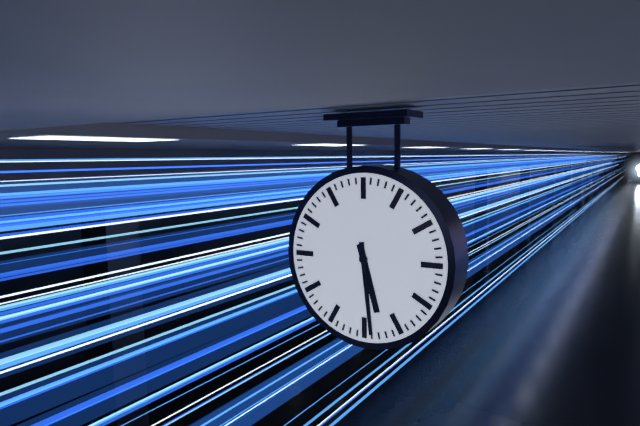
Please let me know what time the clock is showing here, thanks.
5:29
